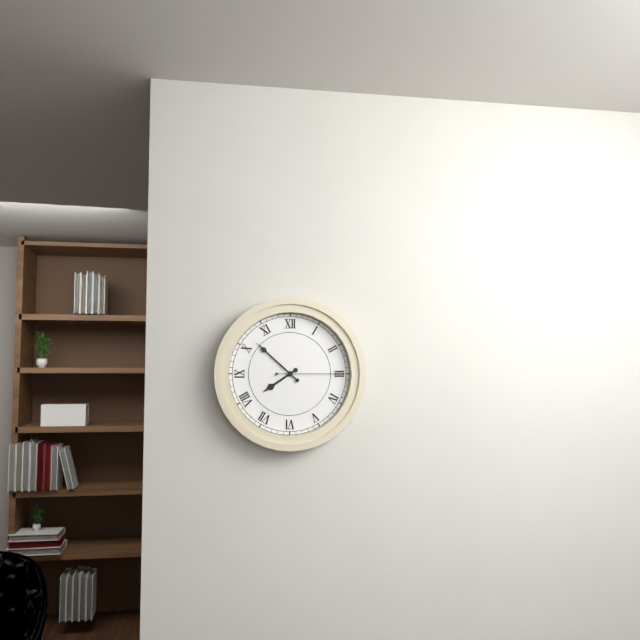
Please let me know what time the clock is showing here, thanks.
7:52:15
